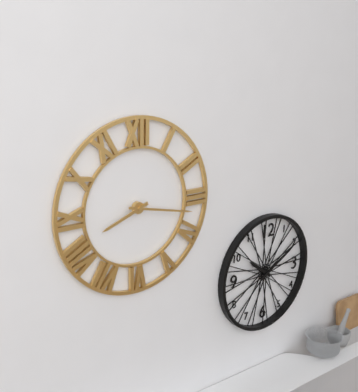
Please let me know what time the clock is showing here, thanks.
8:17
